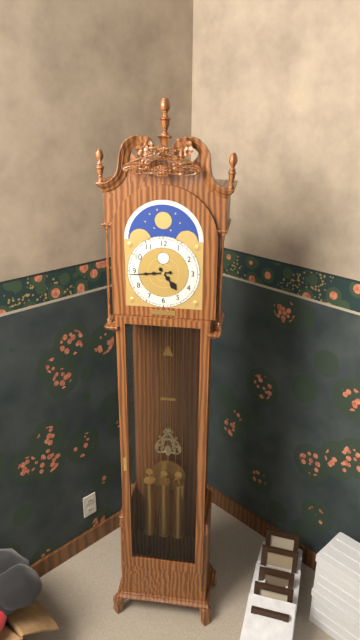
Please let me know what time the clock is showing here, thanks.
4:44
